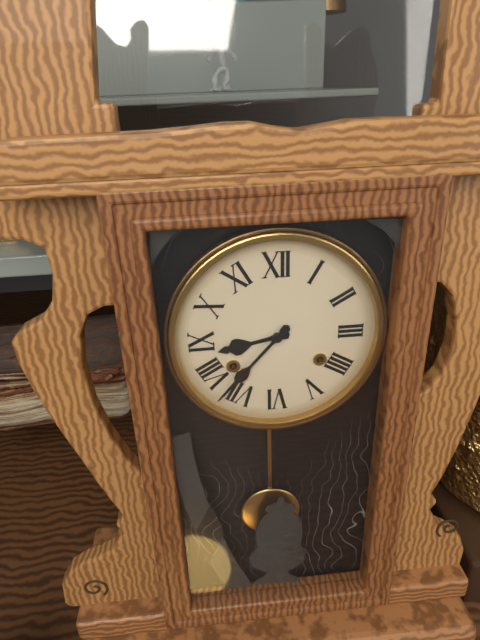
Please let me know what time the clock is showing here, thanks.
8:37
